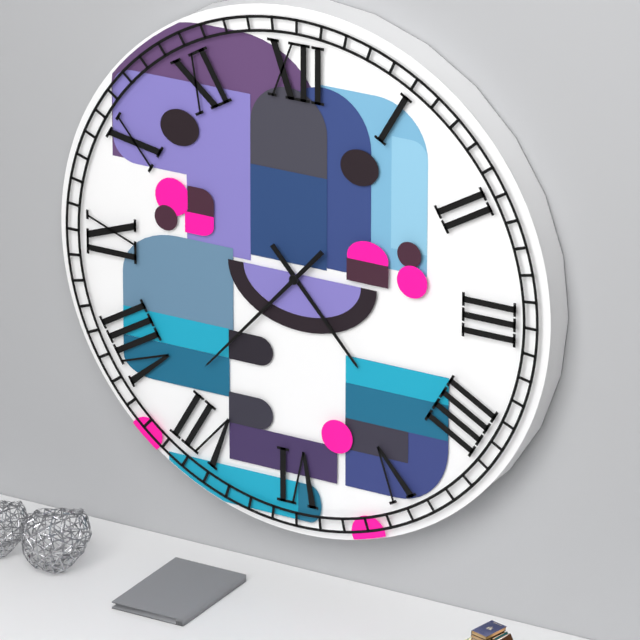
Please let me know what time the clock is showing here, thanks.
4:37
